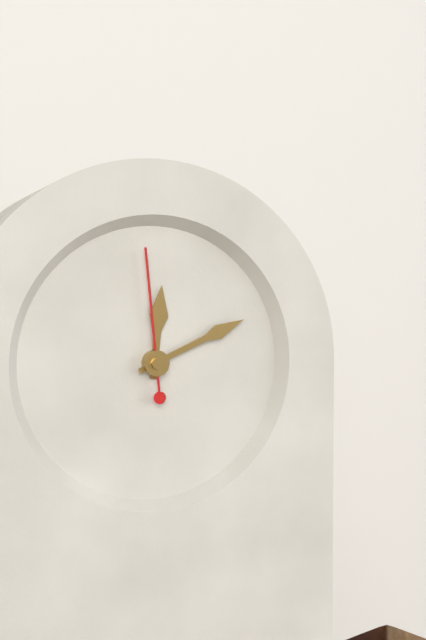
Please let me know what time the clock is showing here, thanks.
12:11:59
